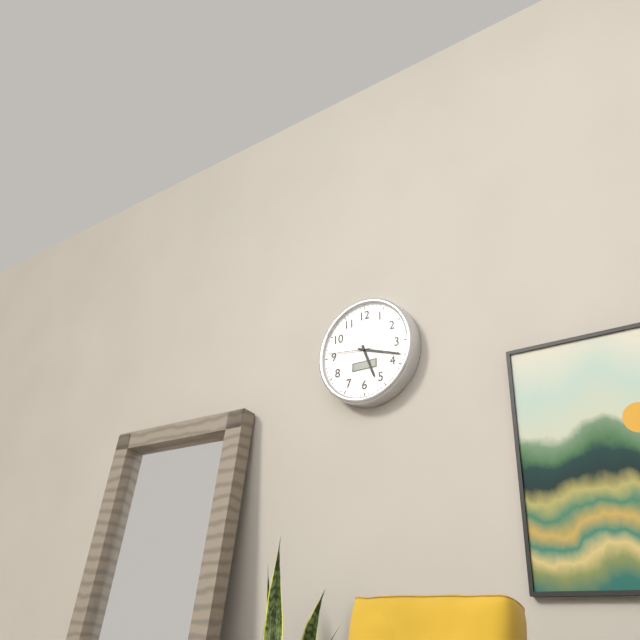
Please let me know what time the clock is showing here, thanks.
5:18
